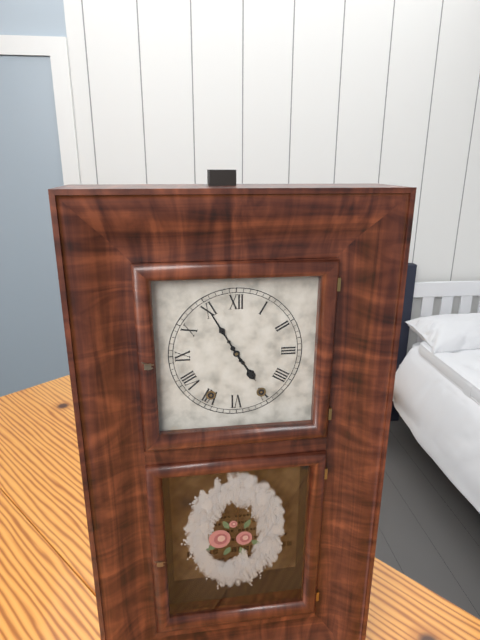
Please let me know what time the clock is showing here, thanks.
4:55
